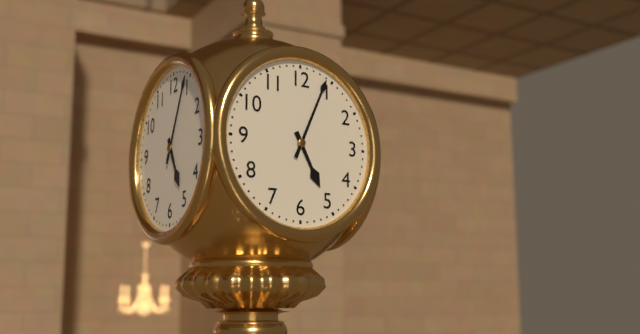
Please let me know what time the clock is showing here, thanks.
5:04
